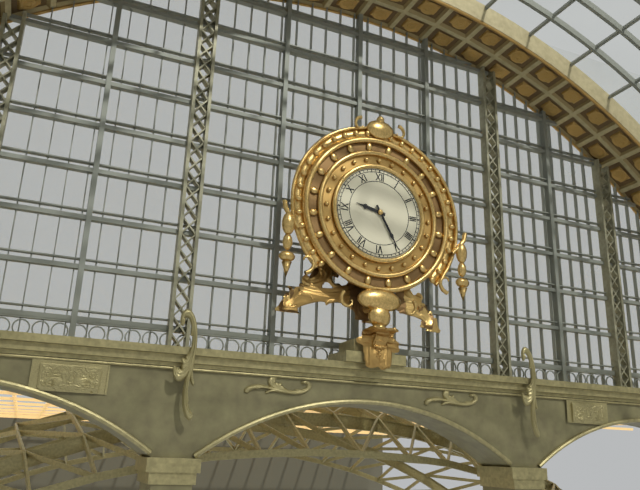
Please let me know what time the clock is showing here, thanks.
9:25
